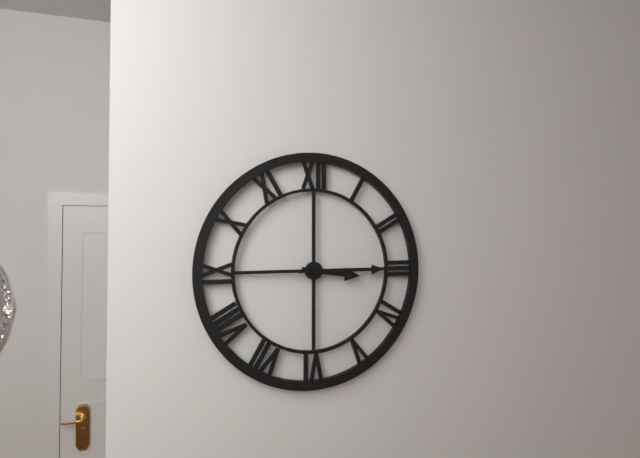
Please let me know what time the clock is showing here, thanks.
3:15
